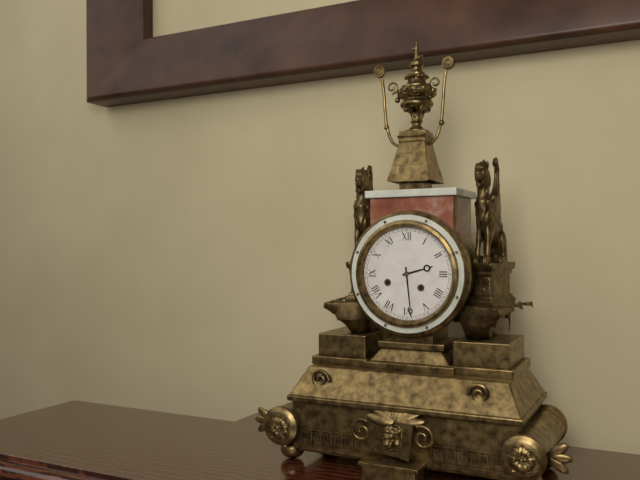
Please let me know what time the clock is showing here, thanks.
2:29
